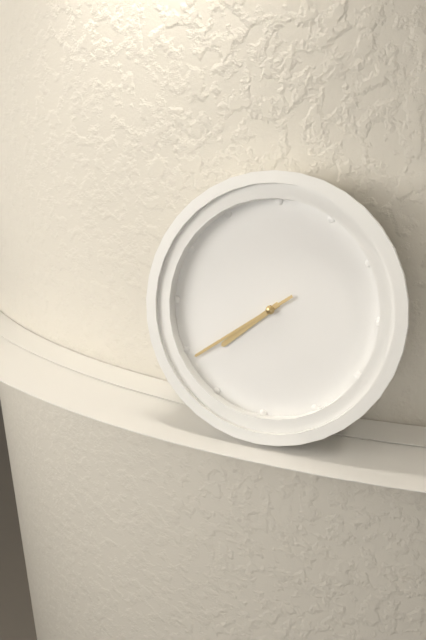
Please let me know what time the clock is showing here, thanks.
7:39
